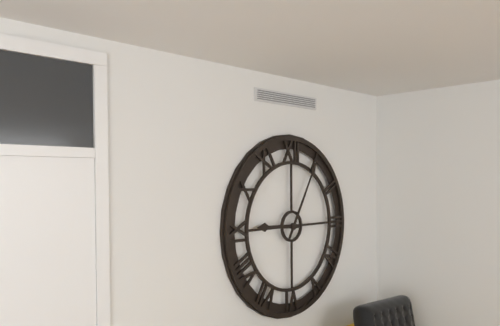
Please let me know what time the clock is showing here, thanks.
9:05
